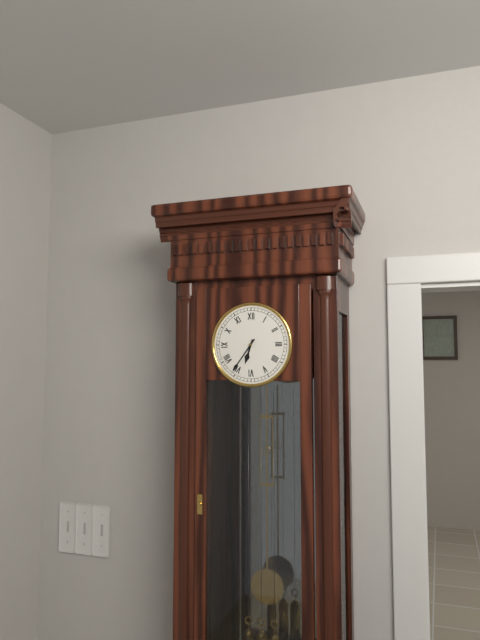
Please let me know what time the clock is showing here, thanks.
6:36
